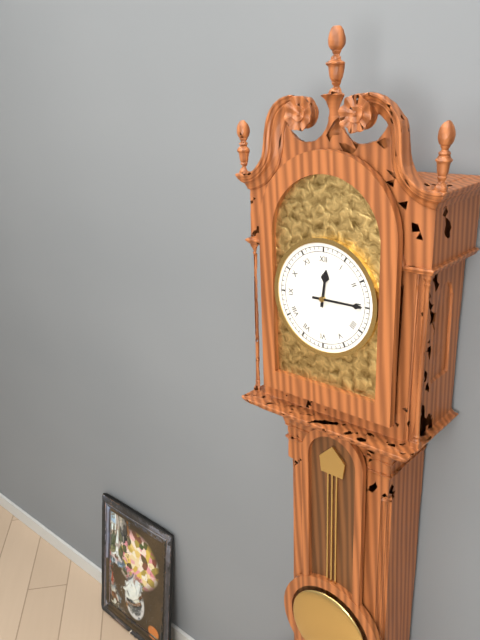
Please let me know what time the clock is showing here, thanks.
12:15
